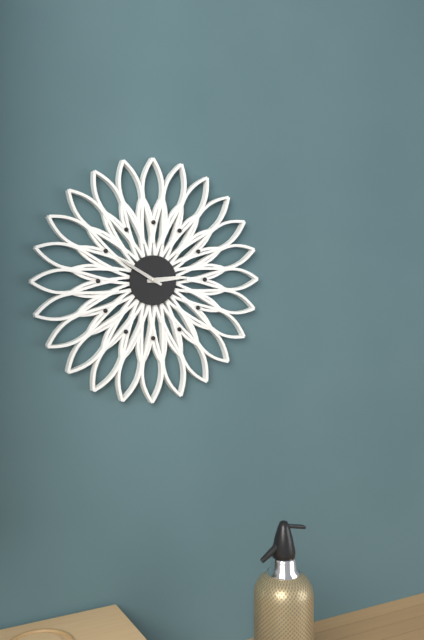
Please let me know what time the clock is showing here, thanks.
2:50
